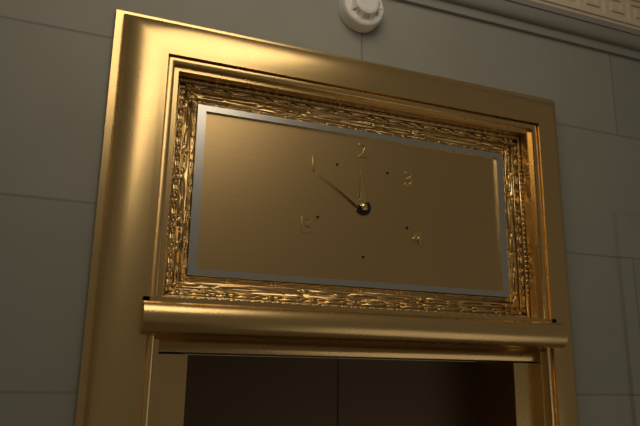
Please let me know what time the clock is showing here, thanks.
11:50
